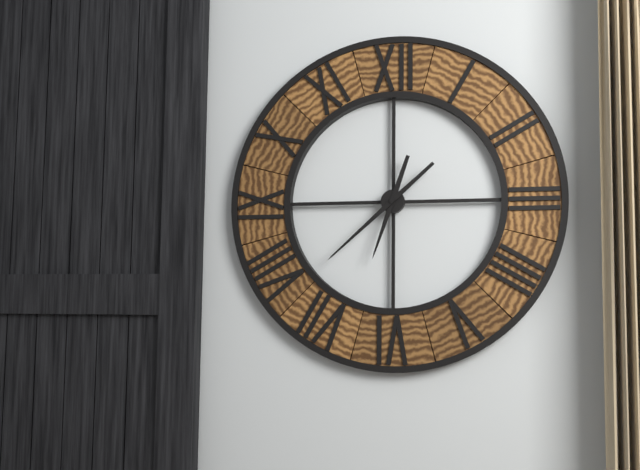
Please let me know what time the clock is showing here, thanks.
6:38
